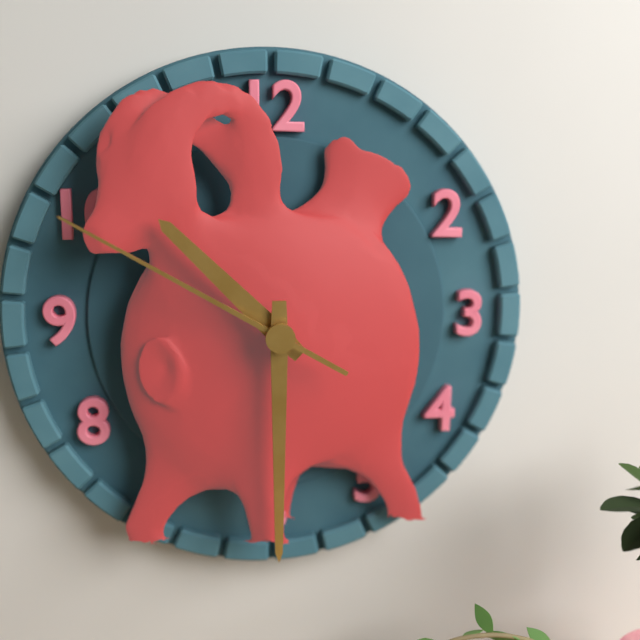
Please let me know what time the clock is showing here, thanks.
10:30:50
